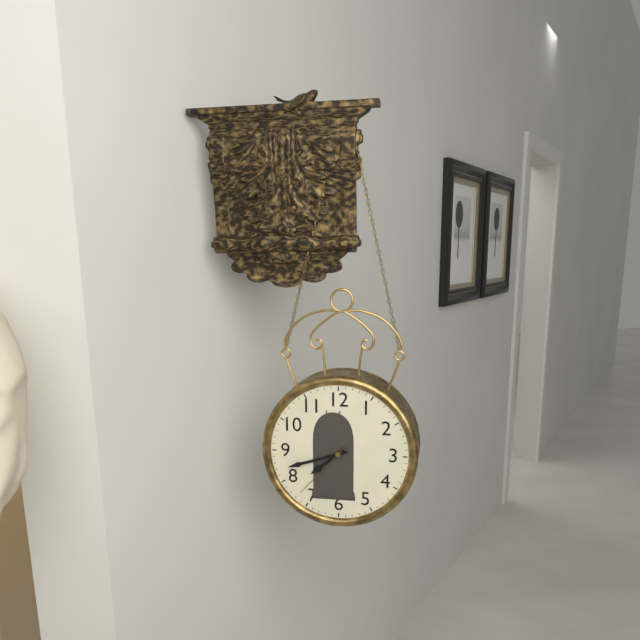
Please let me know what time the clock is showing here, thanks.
7:42:37
